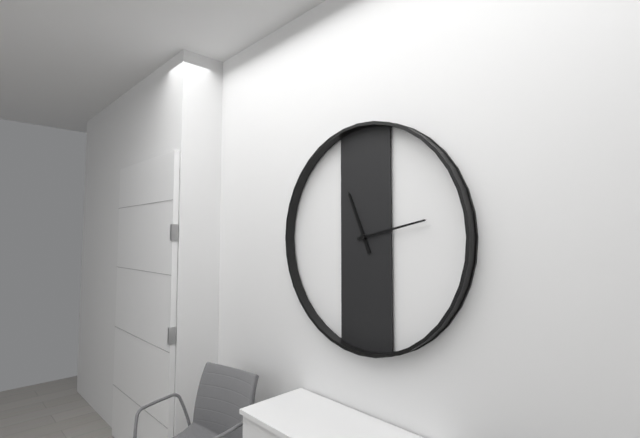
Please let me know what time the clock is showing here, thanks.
11:13
